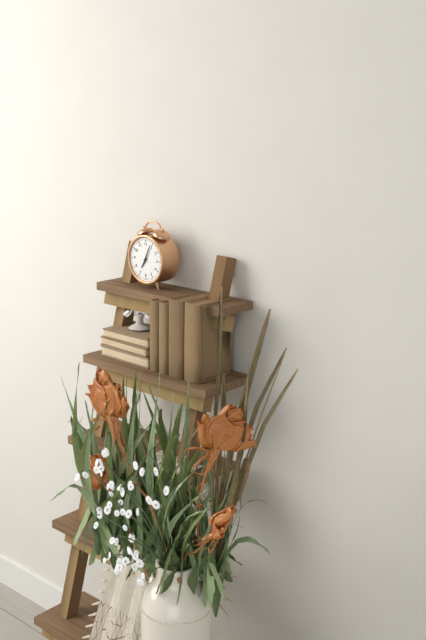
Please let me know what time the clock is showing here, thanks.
7:04
